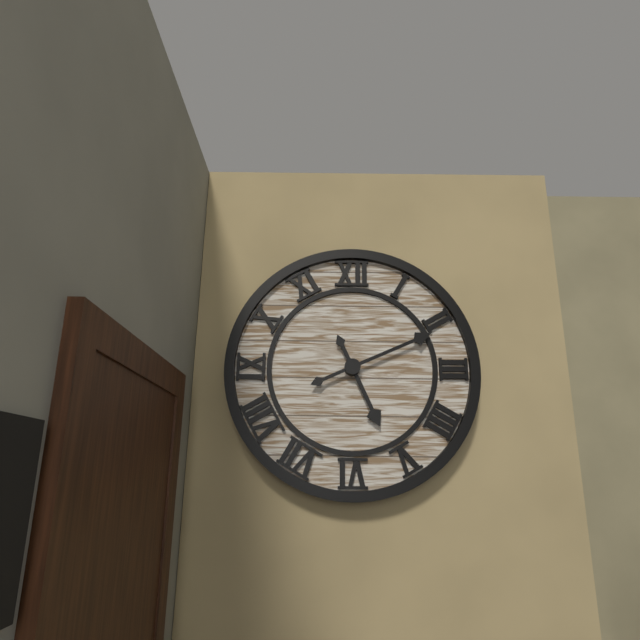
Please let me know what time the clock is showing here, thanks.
5:11
